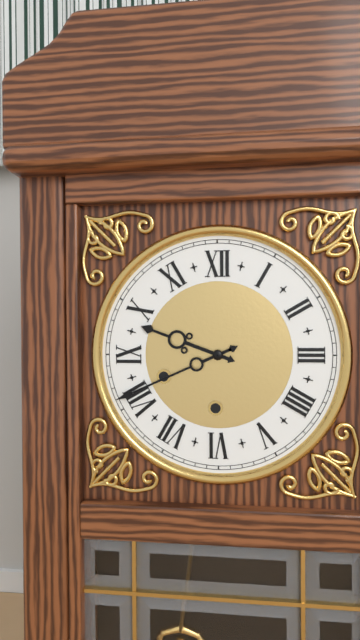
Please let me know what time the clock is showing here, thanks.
9:41
